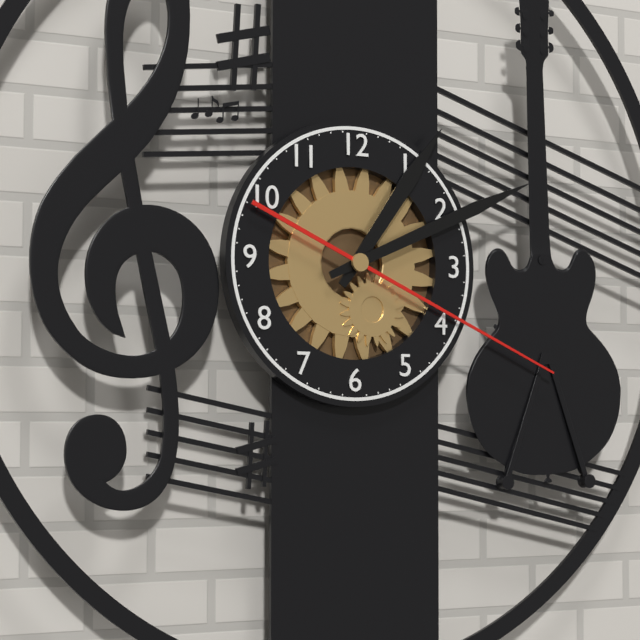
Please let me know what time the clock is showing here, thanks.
1:11:19
